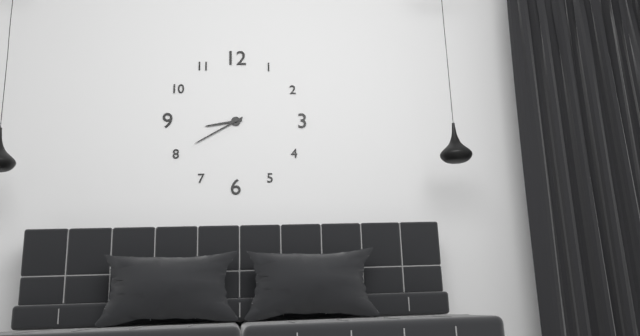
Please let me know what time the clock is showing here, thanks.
8:40
